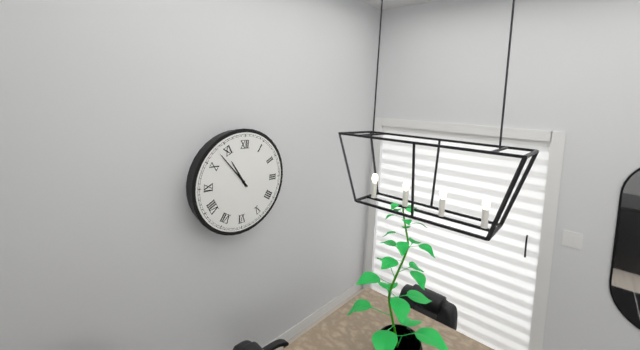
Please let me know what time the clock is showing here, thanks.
10:53
